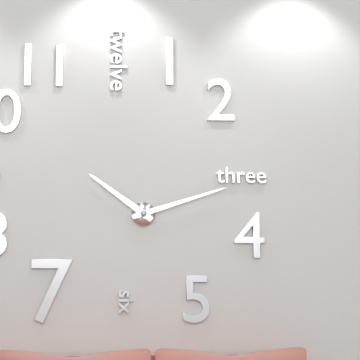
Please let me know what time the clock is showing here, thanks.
10:12
